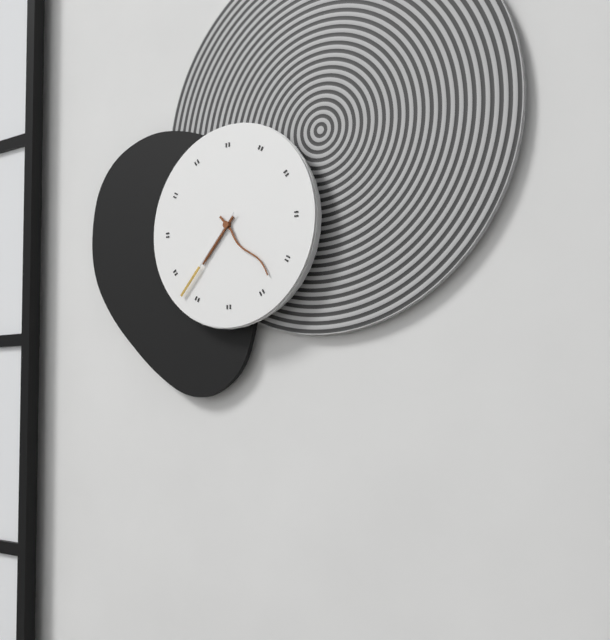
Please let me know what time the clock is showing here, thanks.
7:23:37
